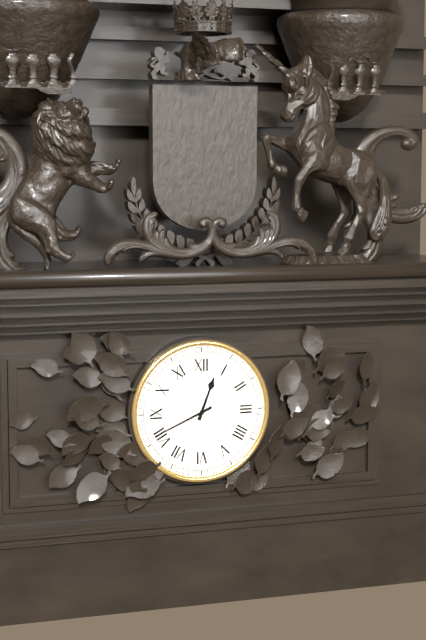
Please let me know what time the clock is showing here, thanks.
12:41
